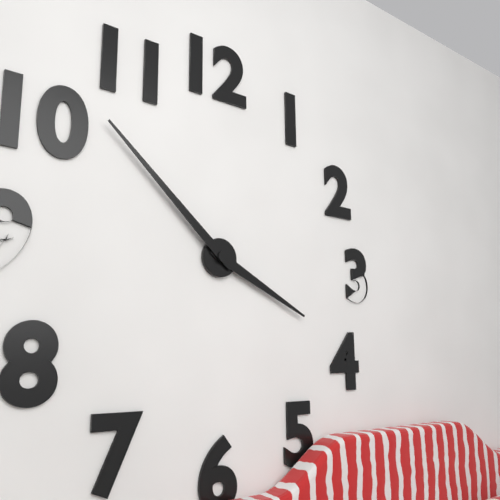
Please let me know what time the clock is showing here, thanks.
3:52
